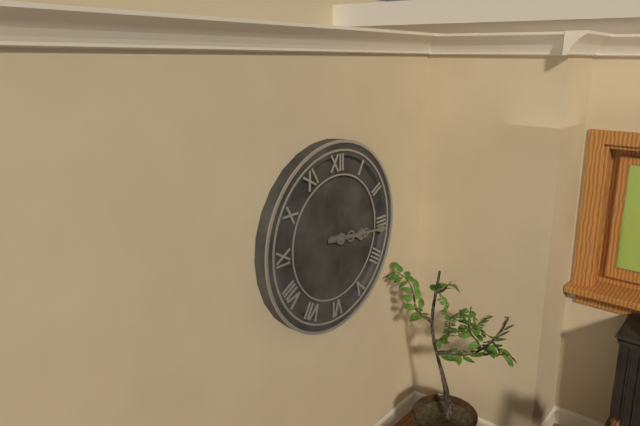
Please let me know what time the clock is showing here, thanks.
3:16
